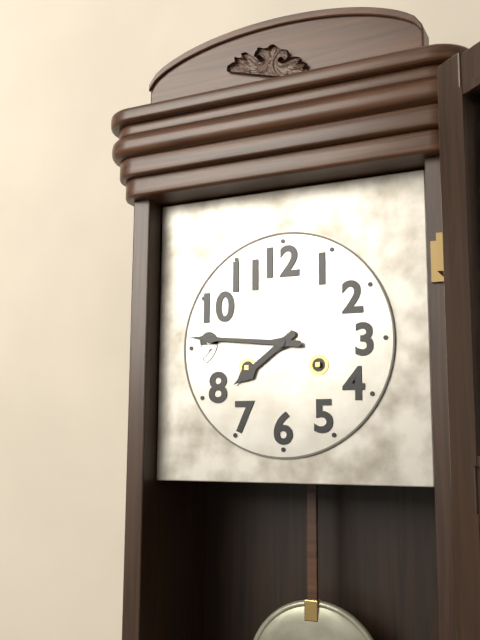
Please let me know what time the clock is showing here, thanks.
7:46
